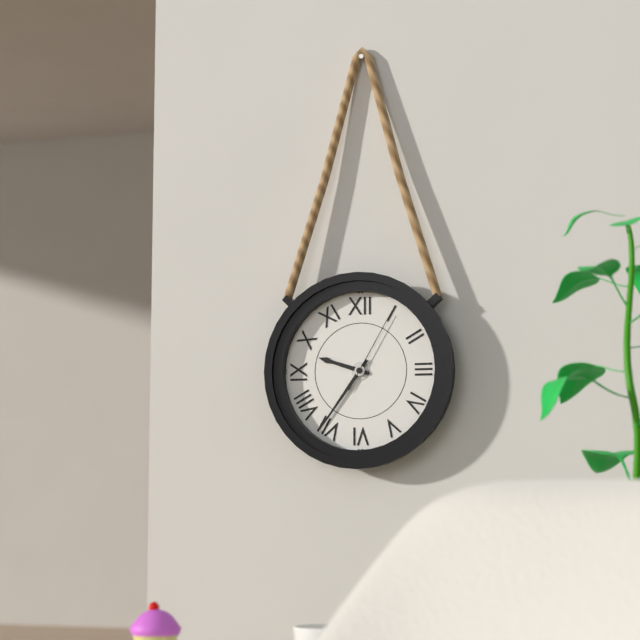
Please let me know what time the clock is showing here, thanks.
9:36:05
